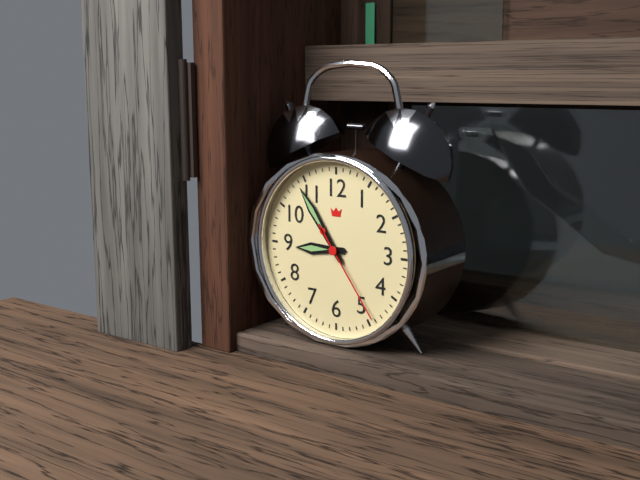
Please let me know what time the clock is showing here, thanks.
8:54:24
